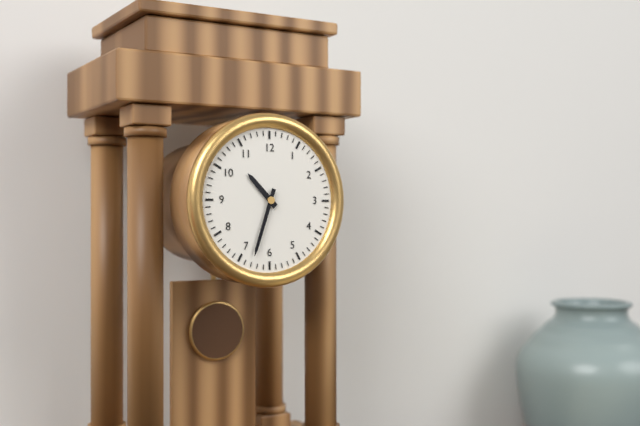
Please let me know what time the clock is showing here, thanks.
10:33
